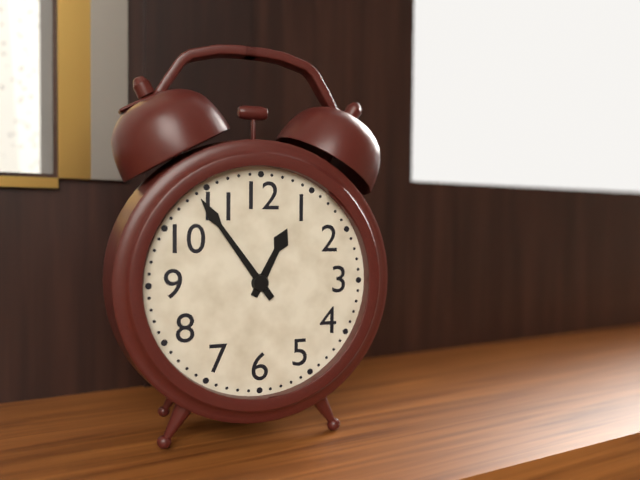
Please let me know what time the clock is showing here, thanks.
12:54
